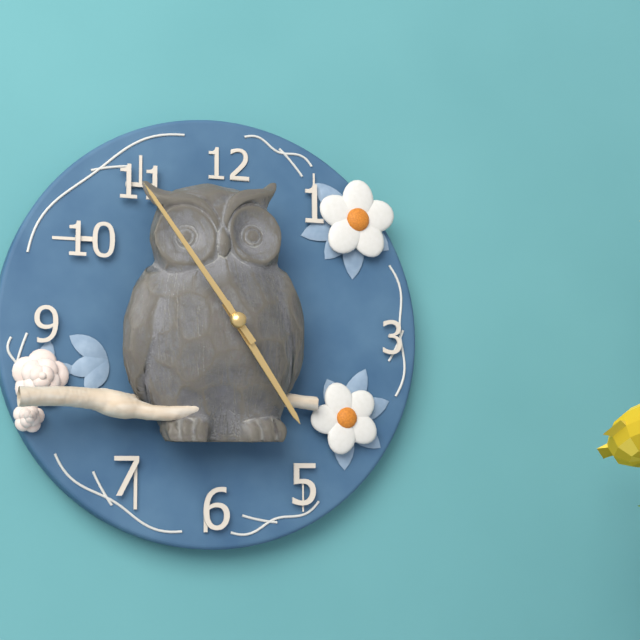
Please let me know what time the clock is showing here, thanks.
4:54
